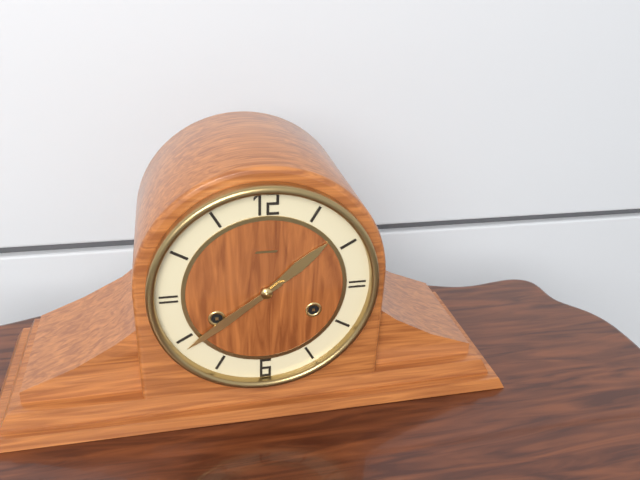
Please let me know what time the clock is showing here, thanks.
1:39
